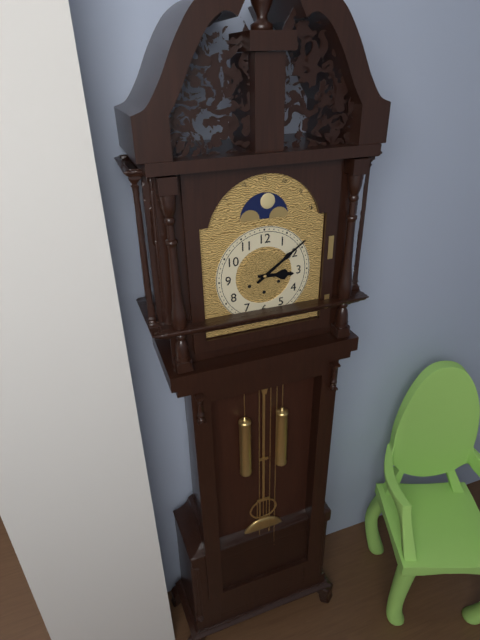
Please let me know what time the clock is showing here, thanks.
3:09
